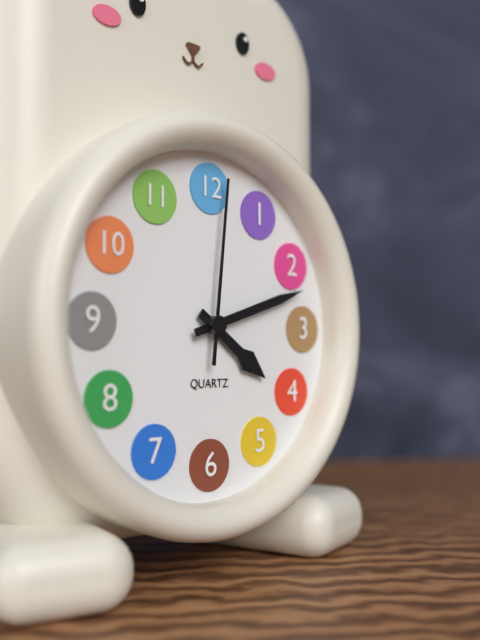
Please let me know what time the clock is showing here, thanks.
4:12:01
